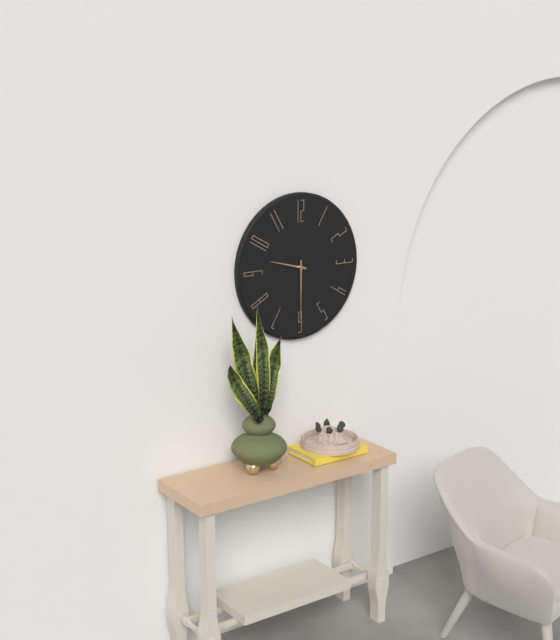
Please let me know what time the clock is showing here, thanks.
9:30
